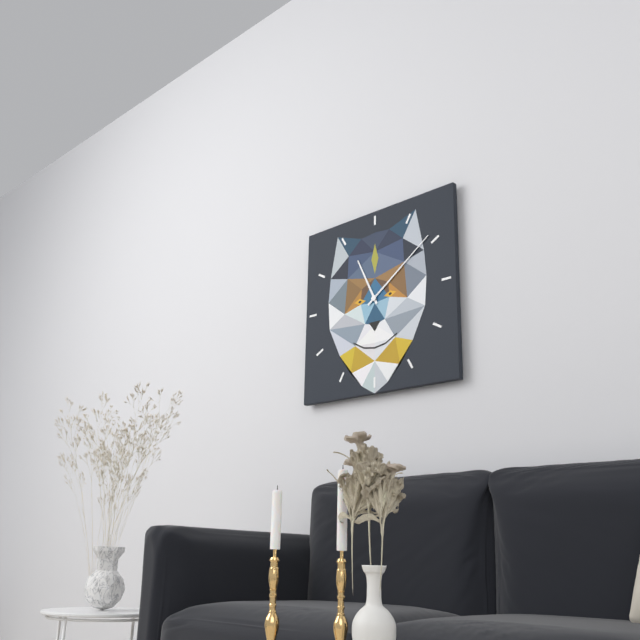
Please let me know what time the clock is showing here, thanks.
11:09
